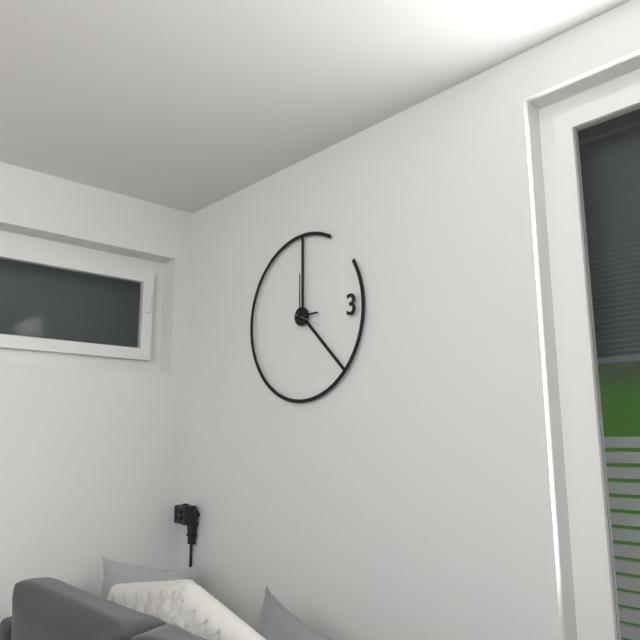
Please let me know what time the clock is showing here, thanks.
3:00
